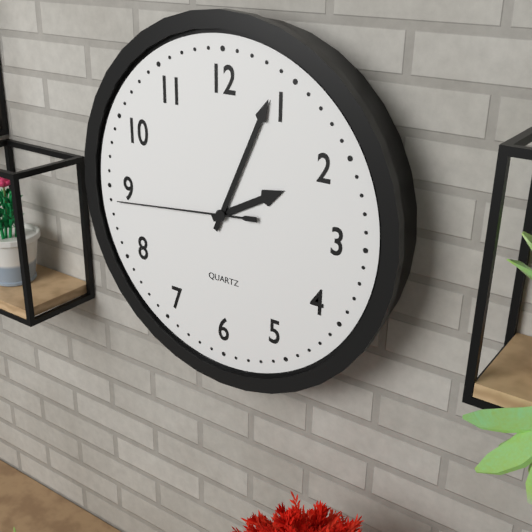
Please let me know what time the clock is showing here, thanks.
2:04:44
